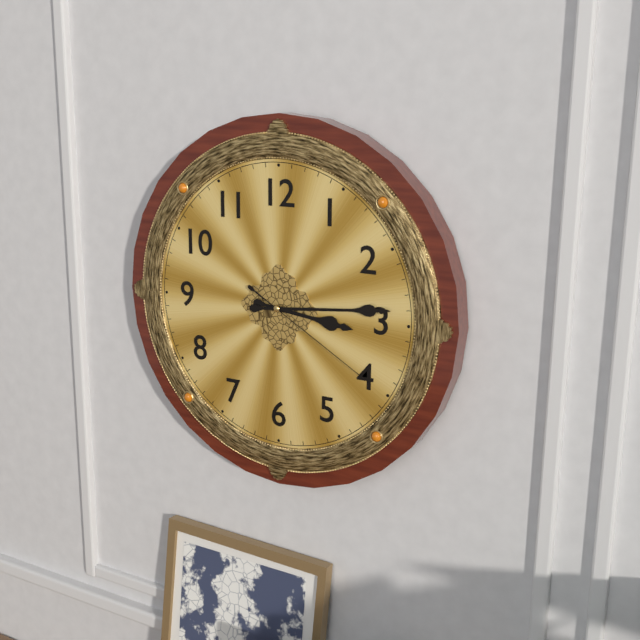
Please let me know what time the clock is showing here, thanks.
3:14:20
